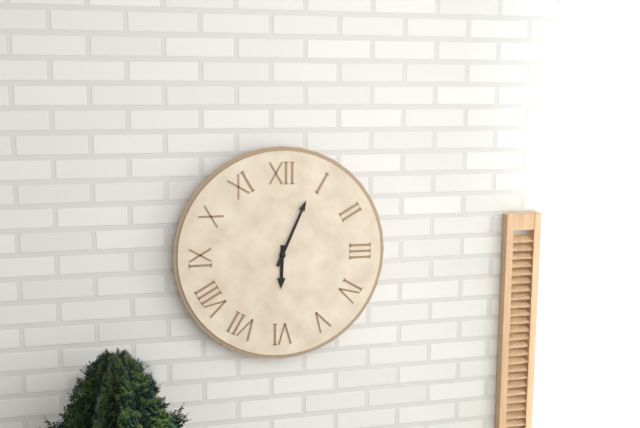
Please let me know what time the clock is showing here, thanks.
6:04
